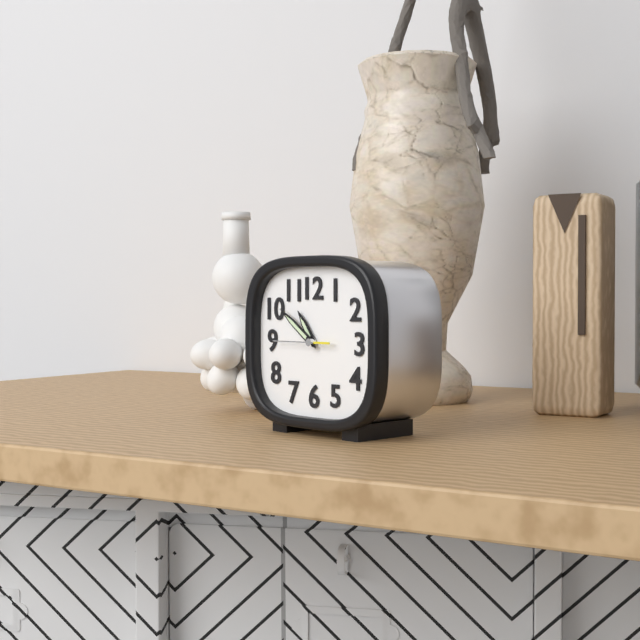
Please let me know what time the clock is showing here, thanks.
10:51
